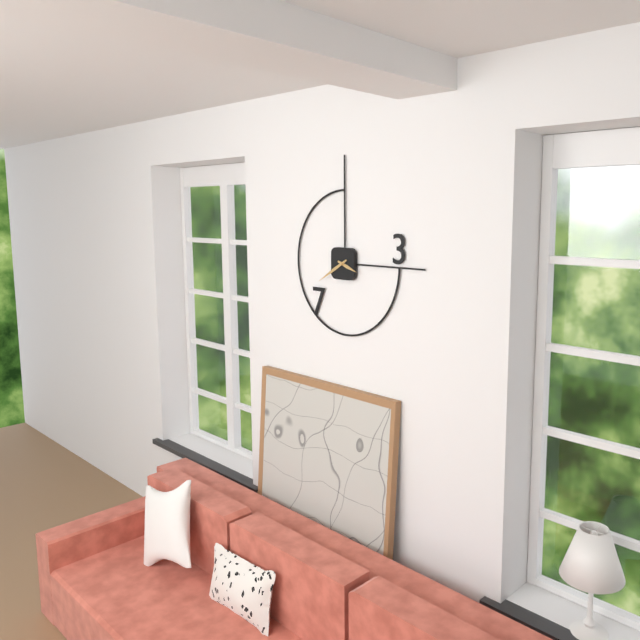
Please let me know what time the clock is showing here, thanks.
3:40
